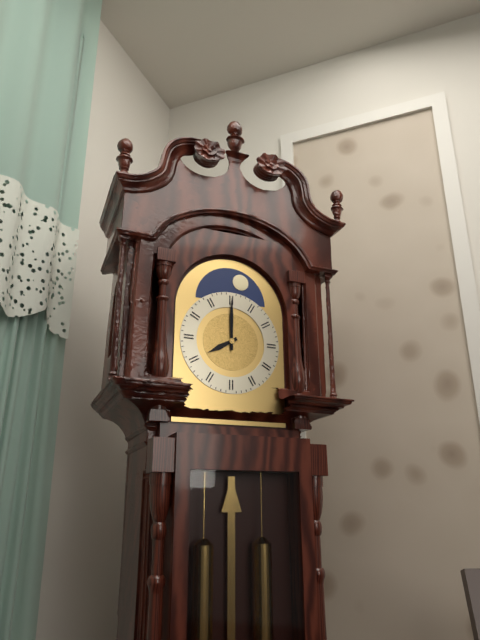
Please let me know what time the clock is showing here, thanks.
8:00
